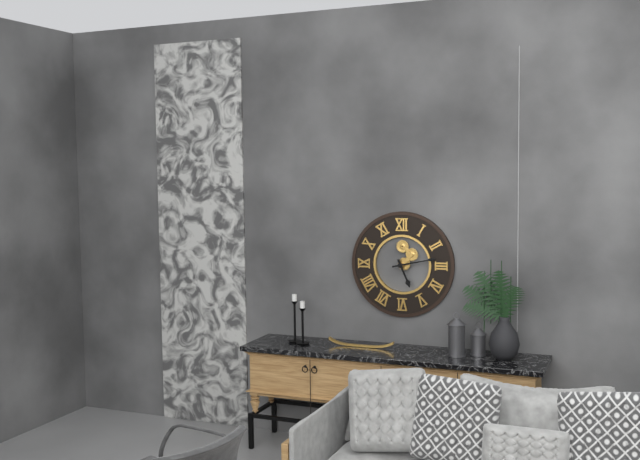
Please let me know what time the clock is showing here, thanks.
5:13
